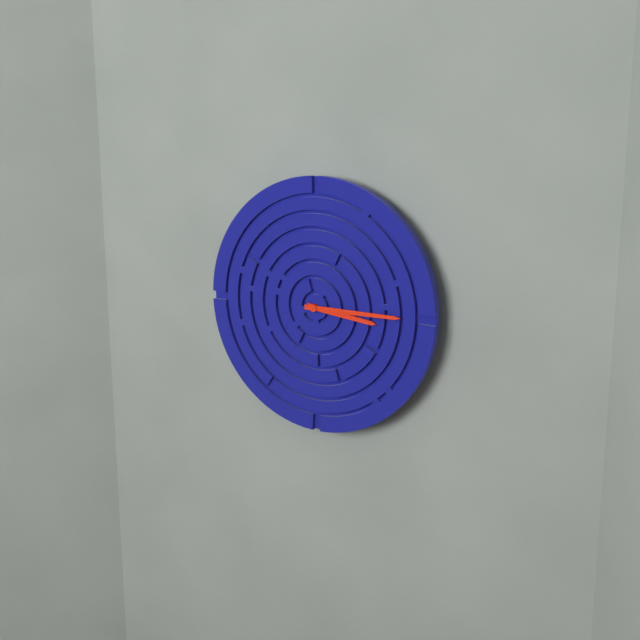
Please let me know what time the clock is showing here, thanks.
3:15
